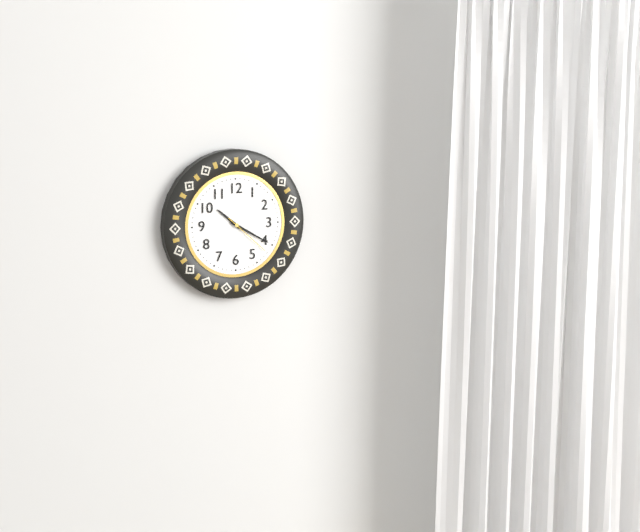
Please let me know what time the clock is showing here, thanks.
10:20
